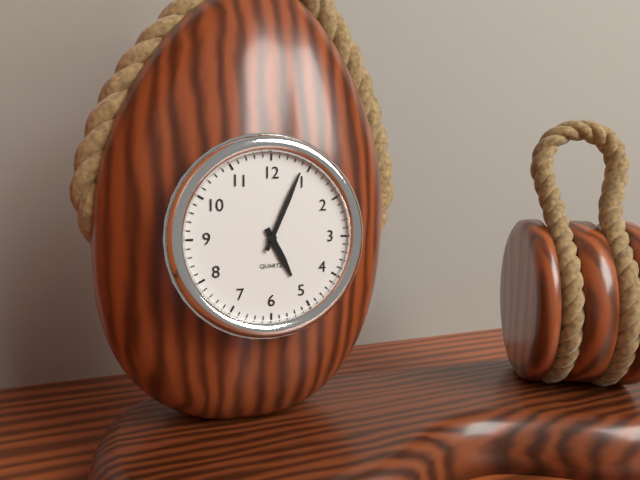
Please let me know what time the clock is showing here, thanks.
5:04
